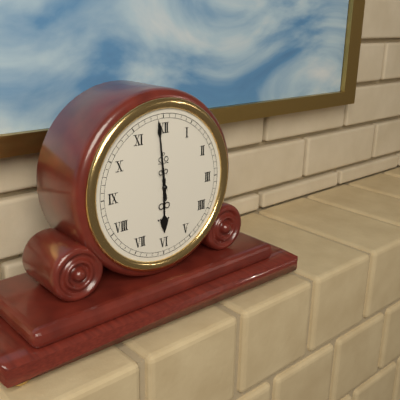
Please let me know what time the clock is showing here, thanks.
5:59
